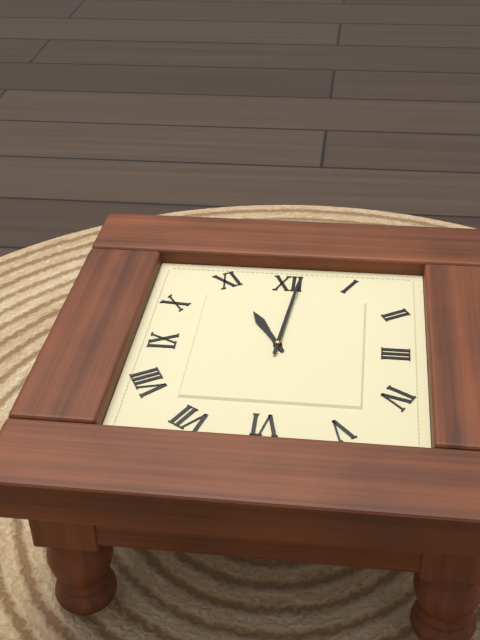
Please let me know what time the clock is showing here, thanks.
11:01
